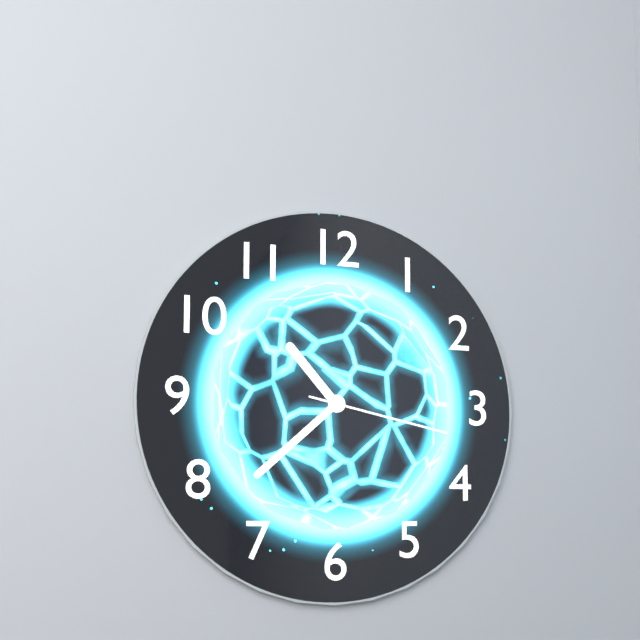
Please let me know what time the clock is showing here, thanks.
10:38:17
